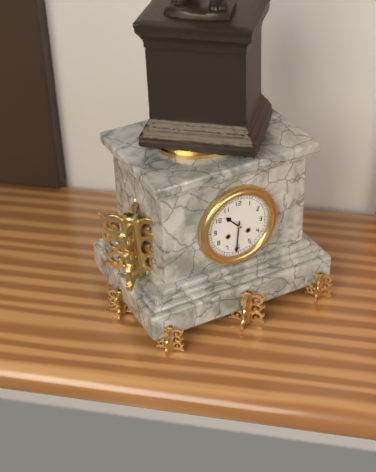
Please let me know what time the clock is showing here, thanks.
10:31
